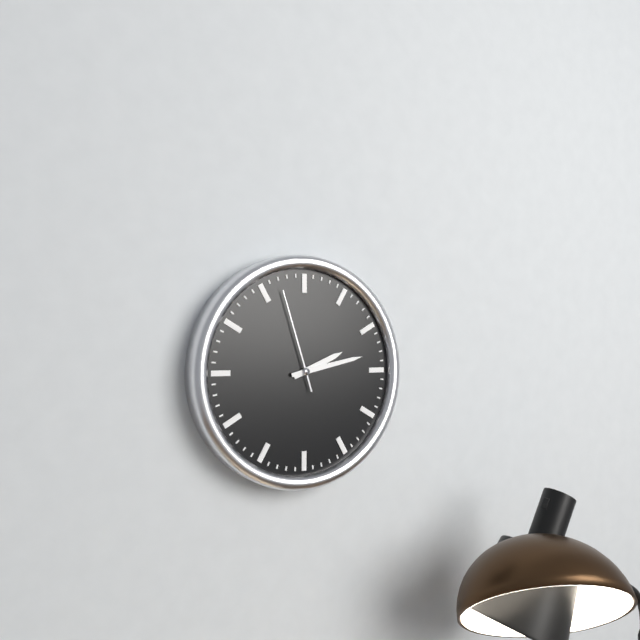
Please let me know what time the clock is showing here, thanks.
2:13:57
